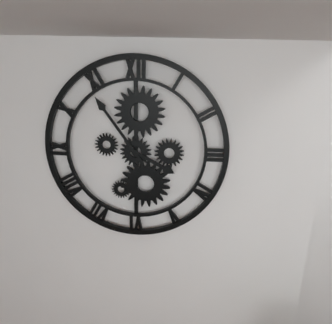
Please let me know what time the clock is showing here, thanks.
3:54
